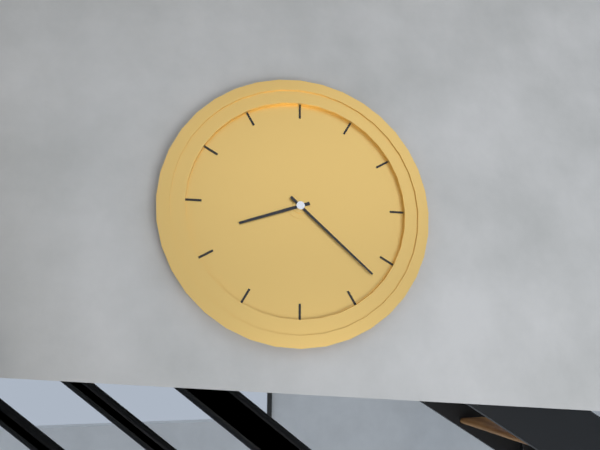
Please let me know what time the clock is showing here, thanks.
8:22
